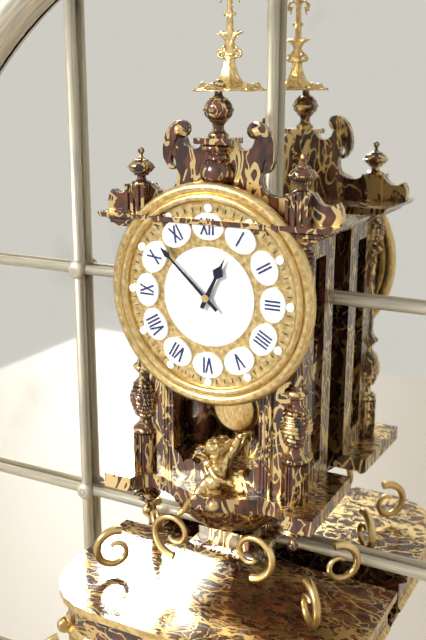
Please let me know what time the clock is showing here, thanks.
12:52
